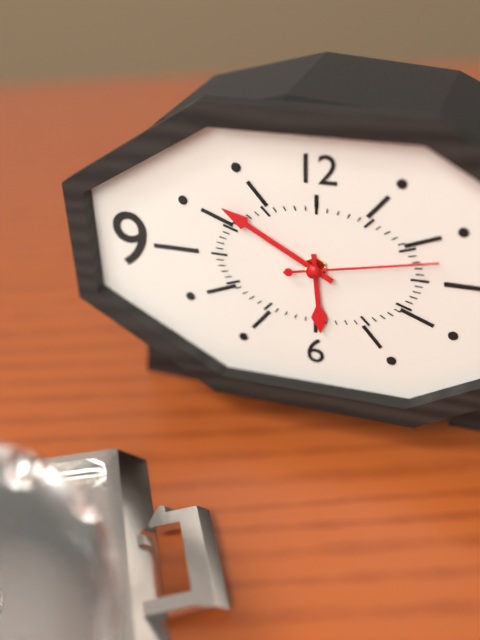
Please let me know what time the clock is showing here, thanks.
5:50:13
